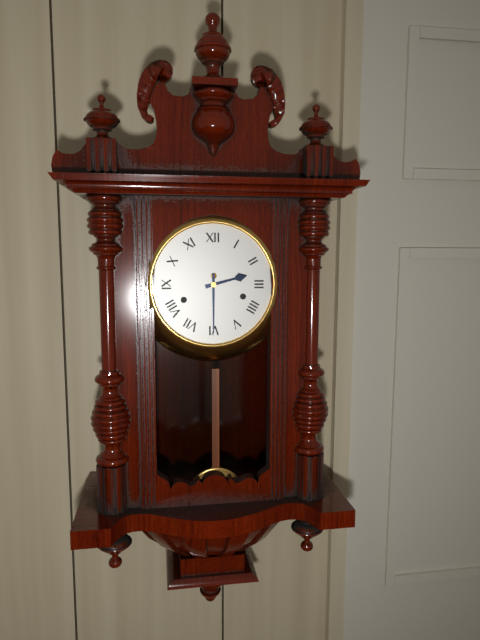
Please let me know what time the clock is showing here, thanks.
2:30
